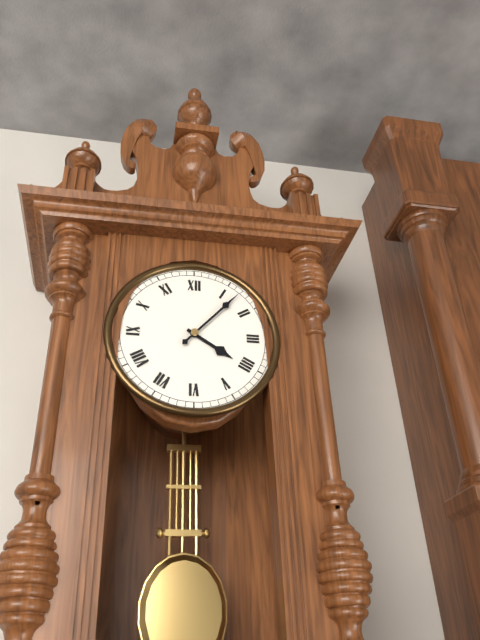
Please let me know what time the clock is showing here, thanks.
4:07
